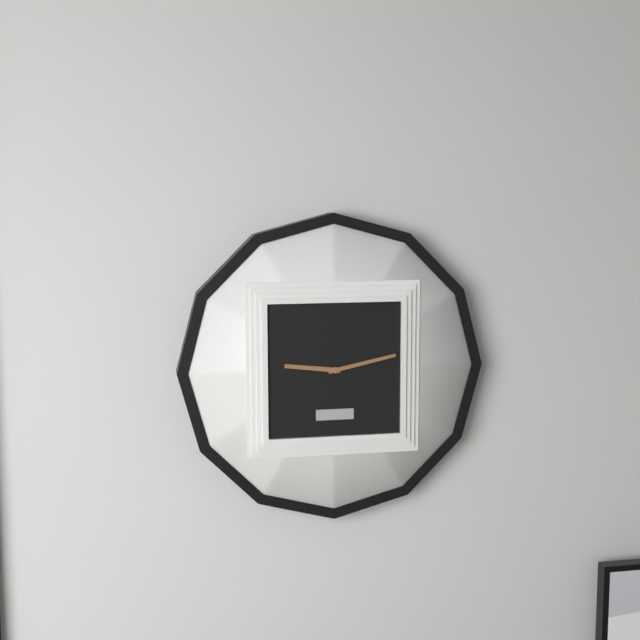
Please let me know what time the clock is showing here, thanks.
9:13
